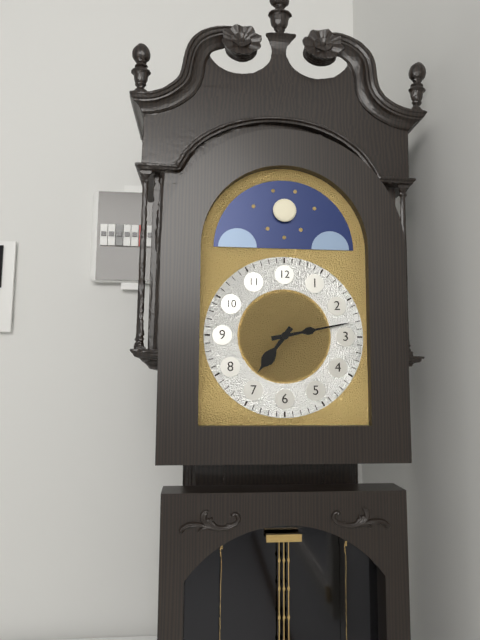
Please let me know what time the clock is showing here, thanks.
7:13
